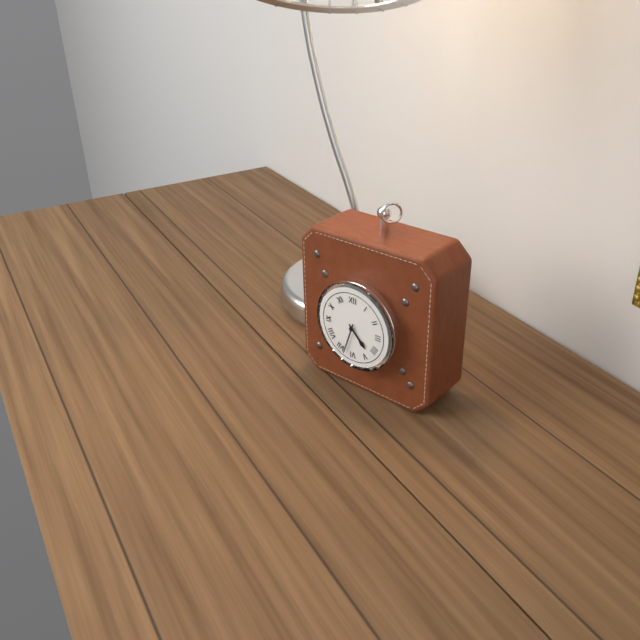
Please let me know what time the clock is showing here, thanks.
4:33
